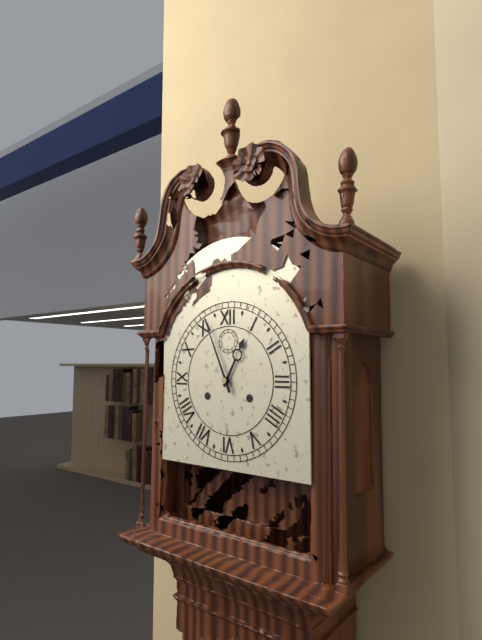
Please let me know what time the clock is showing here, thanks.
12:56
